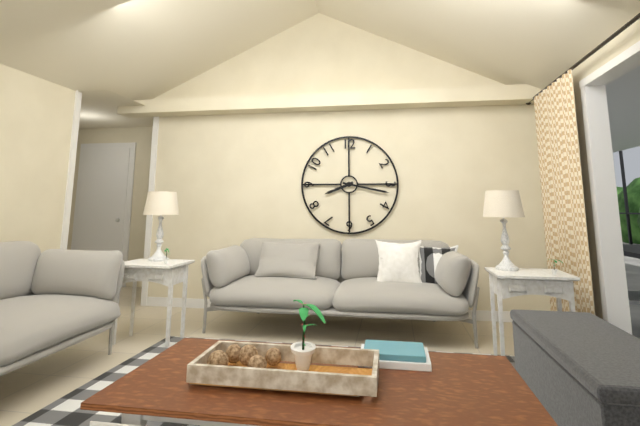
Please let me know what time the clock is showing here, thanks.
8:17
